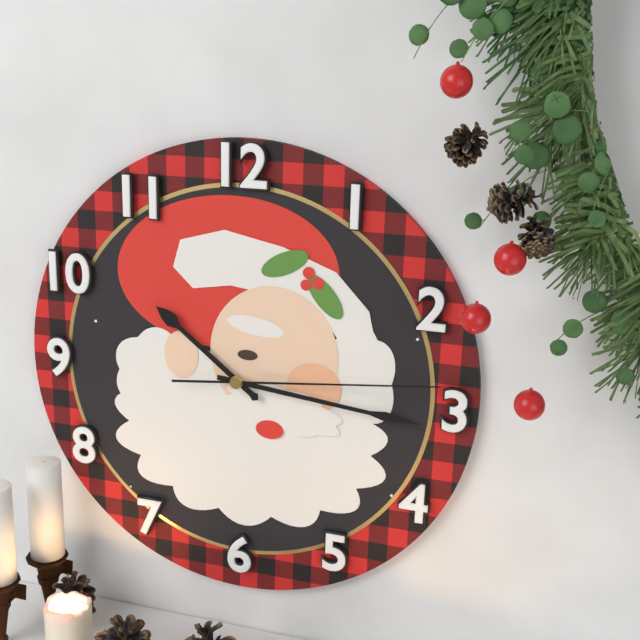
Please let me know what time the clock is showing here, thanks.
10:16:14
